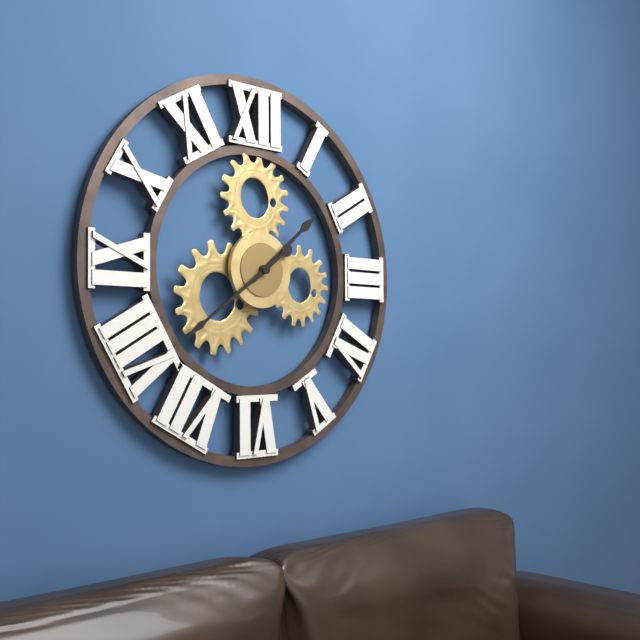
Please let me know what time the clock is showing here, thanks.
1:39
